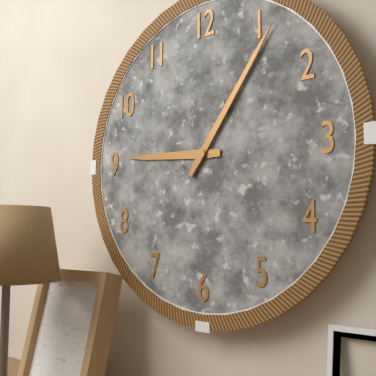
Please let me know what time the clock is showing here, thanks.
9:06
